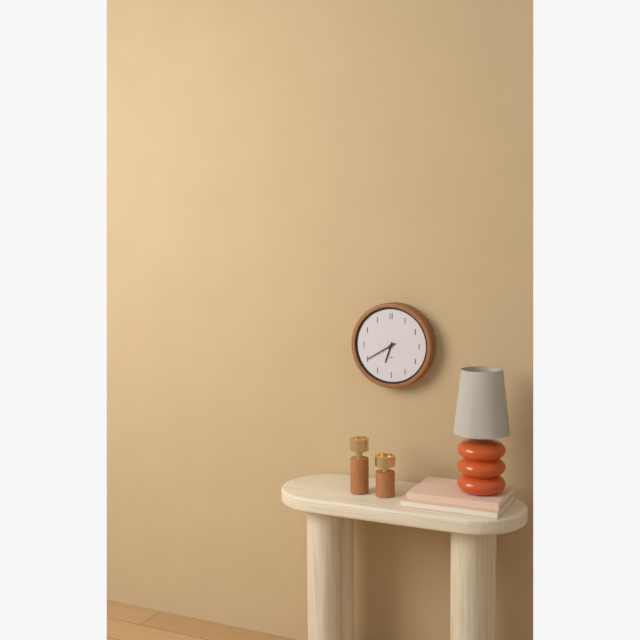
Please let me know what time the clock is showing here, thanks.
6:40
